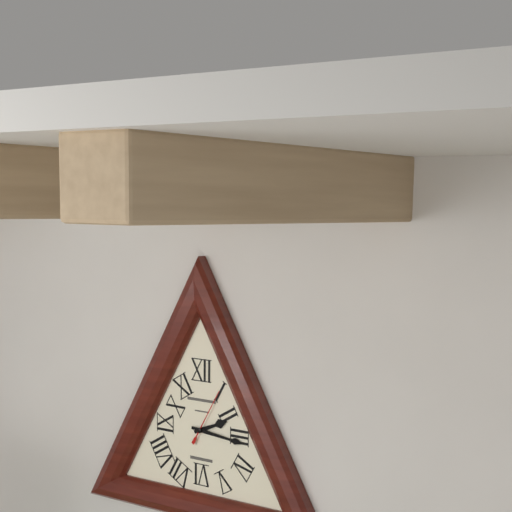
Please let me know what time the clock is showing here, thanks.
2:16:05
